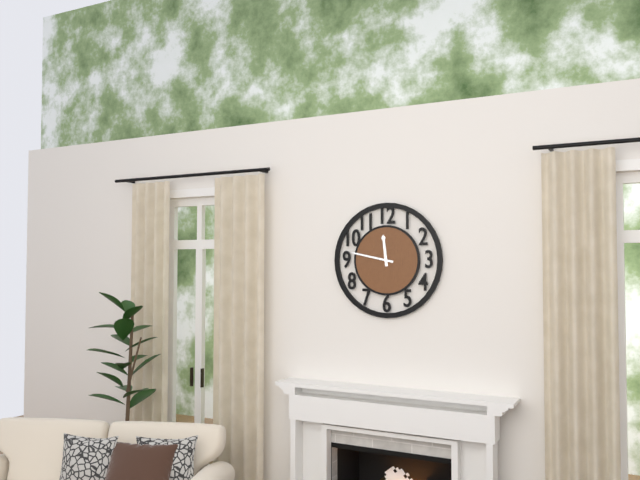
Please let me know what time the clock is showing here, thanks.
11:47
